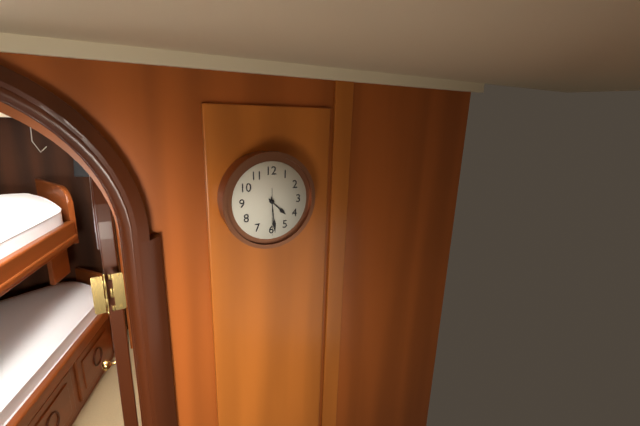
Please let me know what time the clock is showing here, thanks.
4:29
